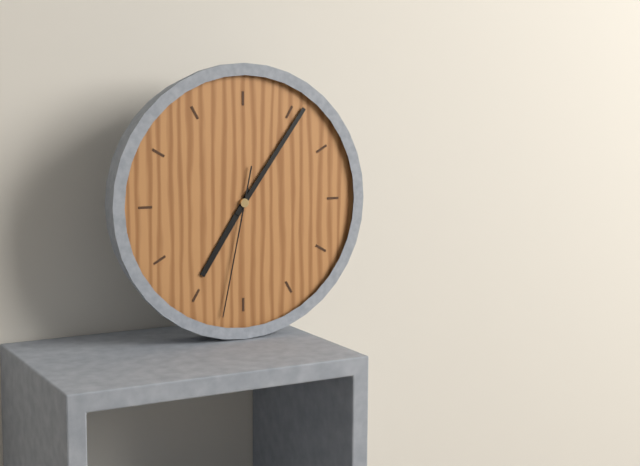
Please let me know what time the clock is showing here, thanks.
7:06:32
